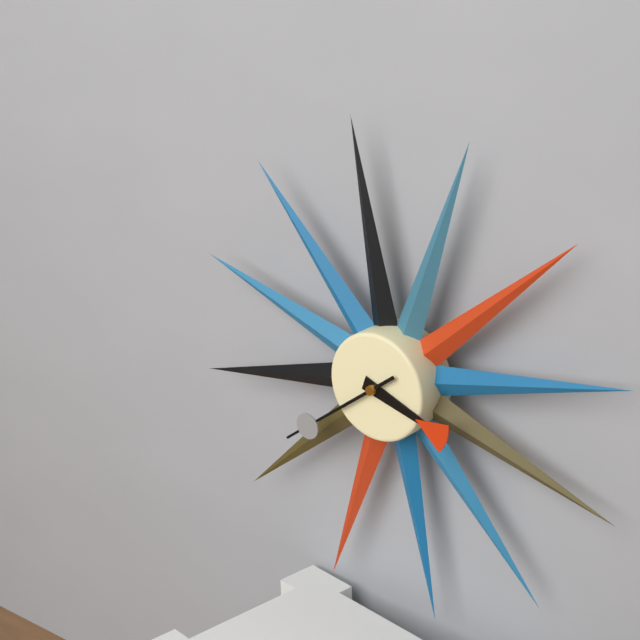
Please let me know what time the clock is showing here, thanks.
3:39
